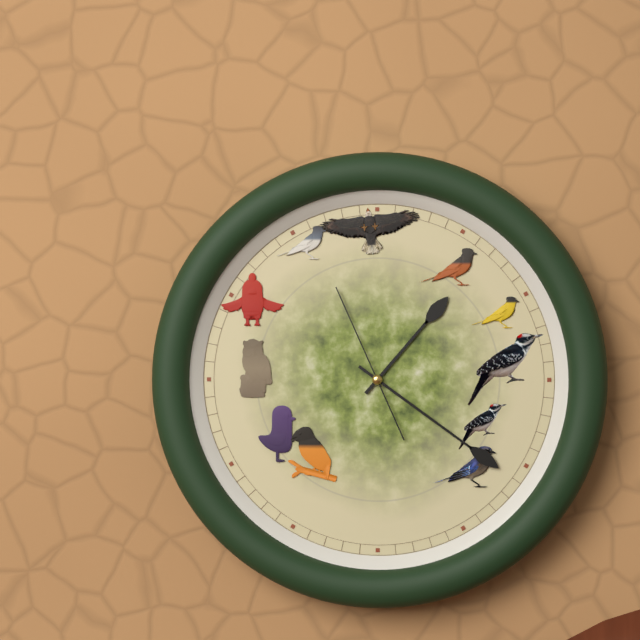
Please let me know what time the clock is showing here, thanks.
1:21:56
